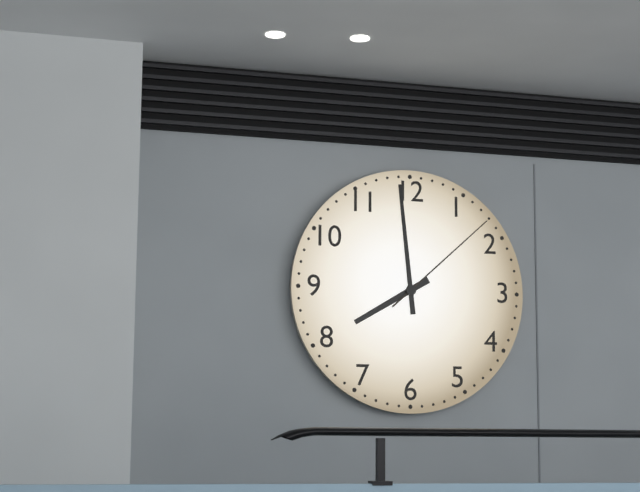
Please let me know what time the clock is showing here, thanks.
7:59:08
